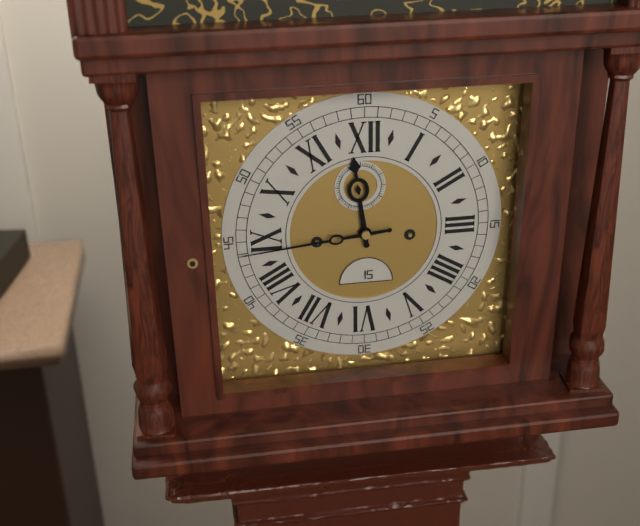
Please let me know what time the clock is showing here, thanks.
11:44
